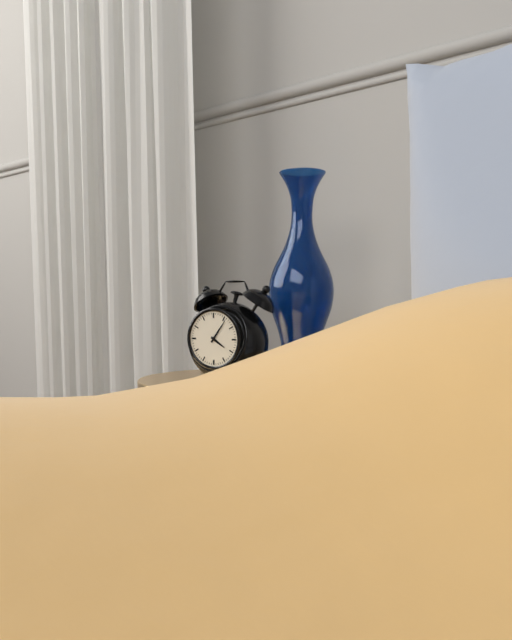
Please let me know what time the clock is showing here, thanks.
4:06
